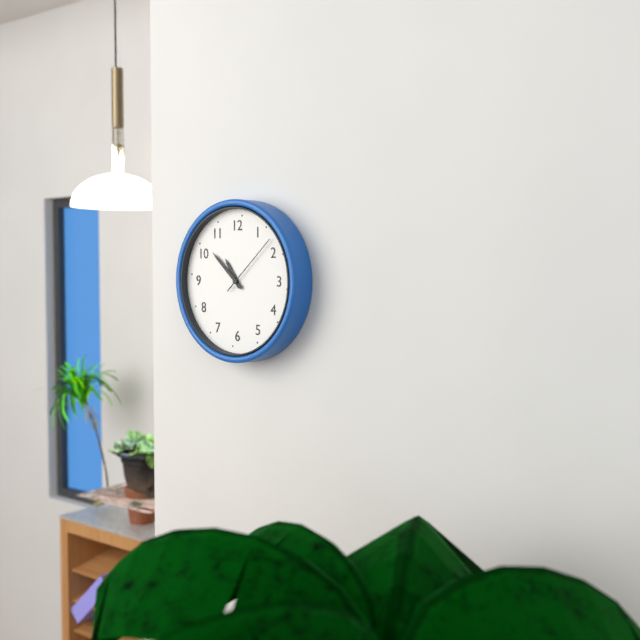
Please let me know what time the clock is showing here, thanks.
10:52:08
